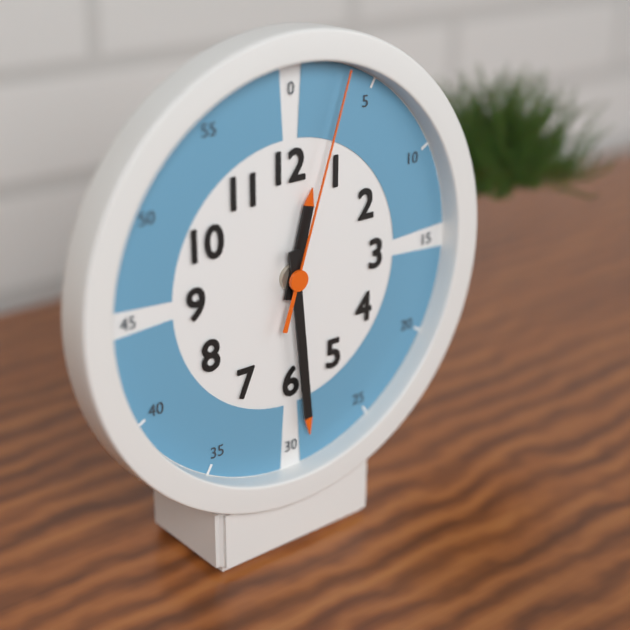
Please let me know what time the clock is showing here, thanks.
12:29:03
